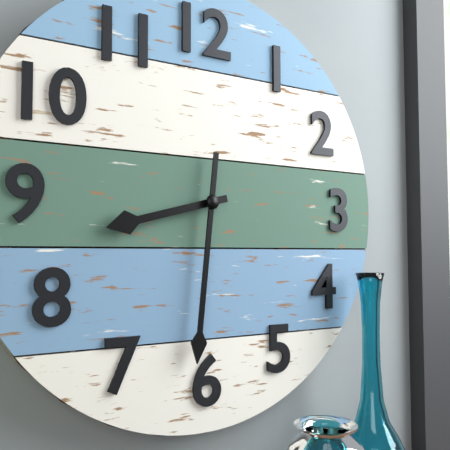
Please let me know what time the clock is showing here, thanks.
8:31
